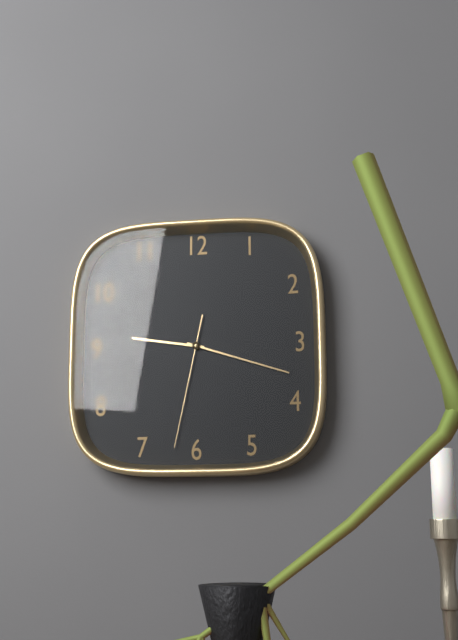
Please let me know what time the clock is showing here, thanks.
9:18:32
